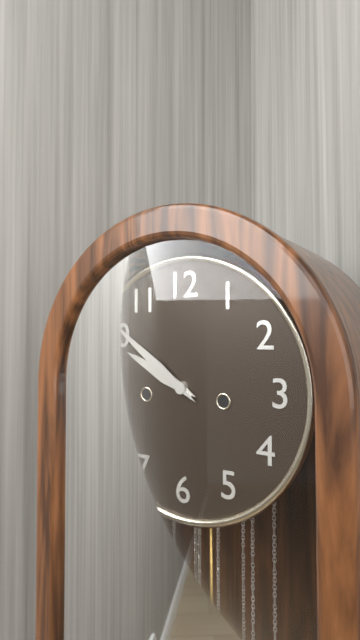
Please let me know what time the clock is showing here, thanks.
9:51
